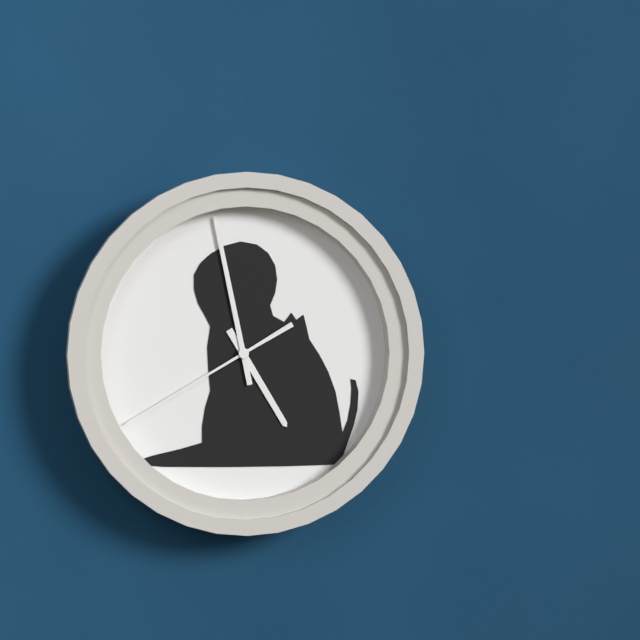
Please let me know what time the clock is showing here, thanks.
4:58:40
